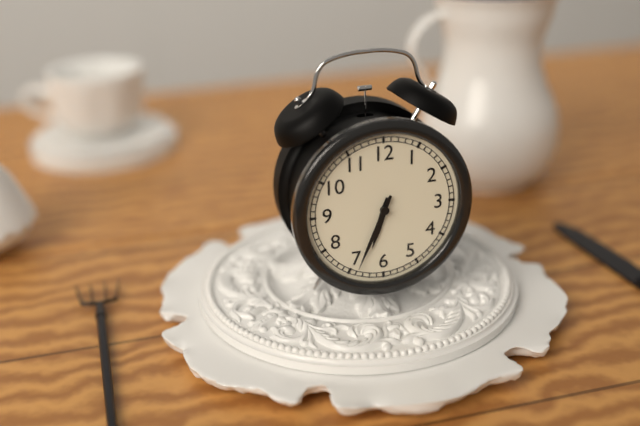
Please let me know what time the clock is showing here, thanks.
6:34
